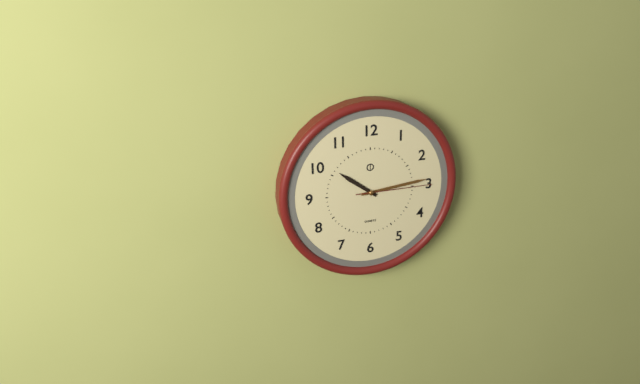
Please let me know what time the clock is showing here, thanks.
10:14:15
